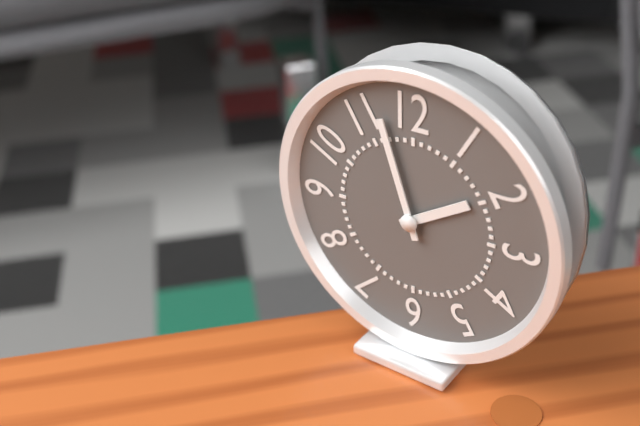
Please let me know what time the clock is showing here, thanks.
1:57
